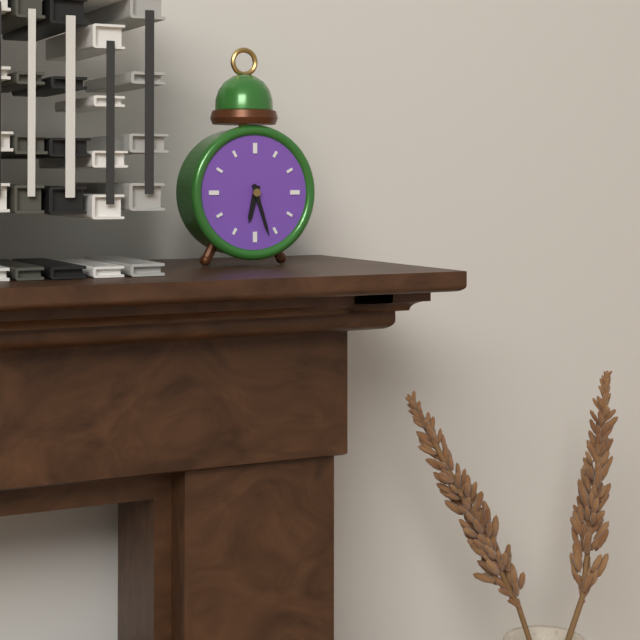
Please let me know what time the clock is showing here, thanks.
6:27
